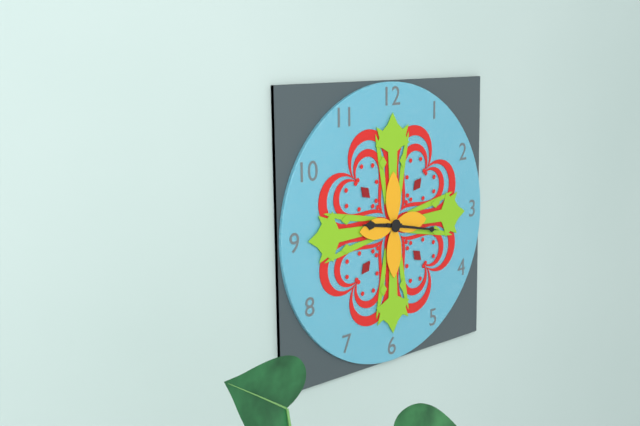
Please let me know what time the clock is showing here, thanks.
9:17
